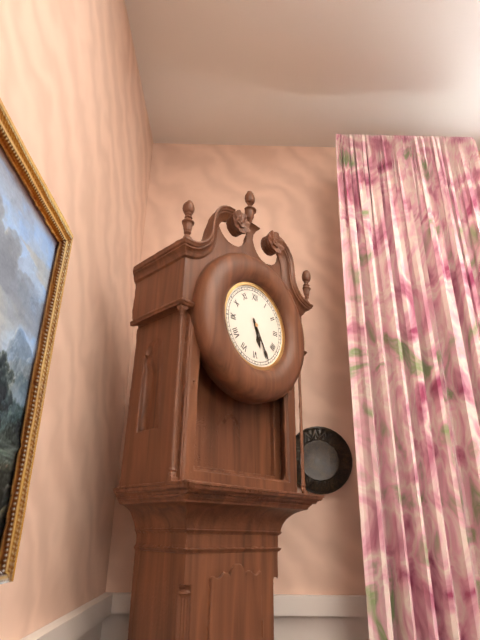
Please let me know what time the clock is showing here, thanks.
5:25
